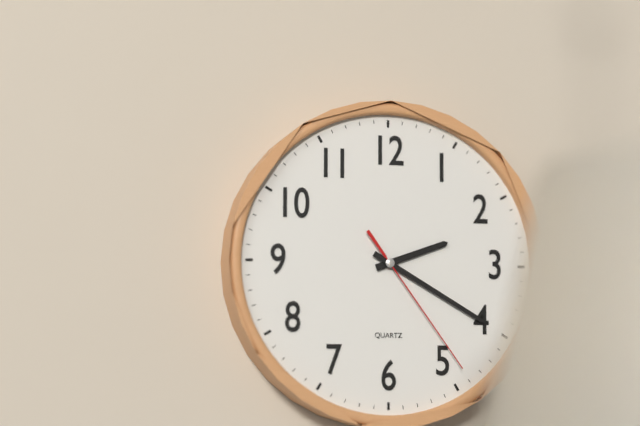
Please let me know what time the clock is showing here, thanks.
2:20:24
